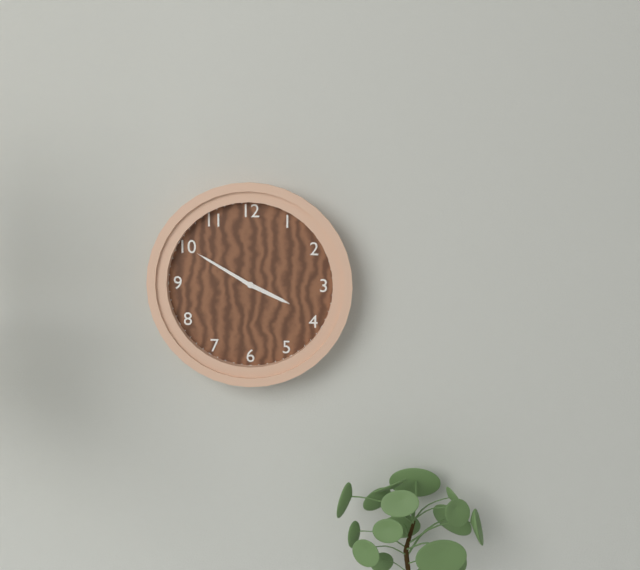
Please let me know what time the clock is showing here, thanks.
3:50
